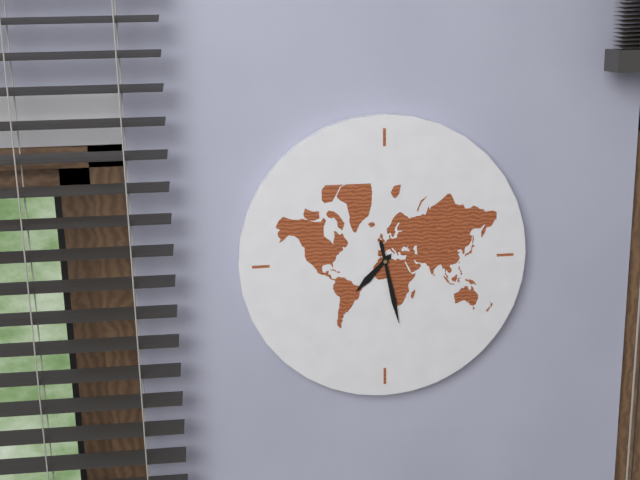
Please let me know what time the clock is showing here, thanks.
7:28
